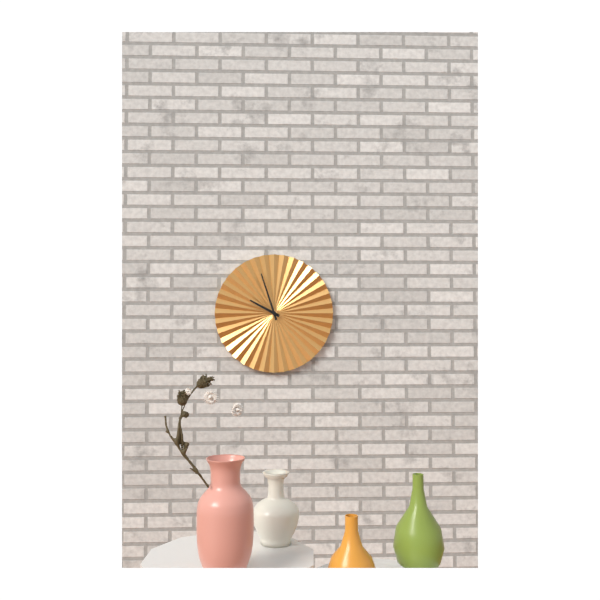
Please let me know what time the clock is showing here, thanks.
9:57
